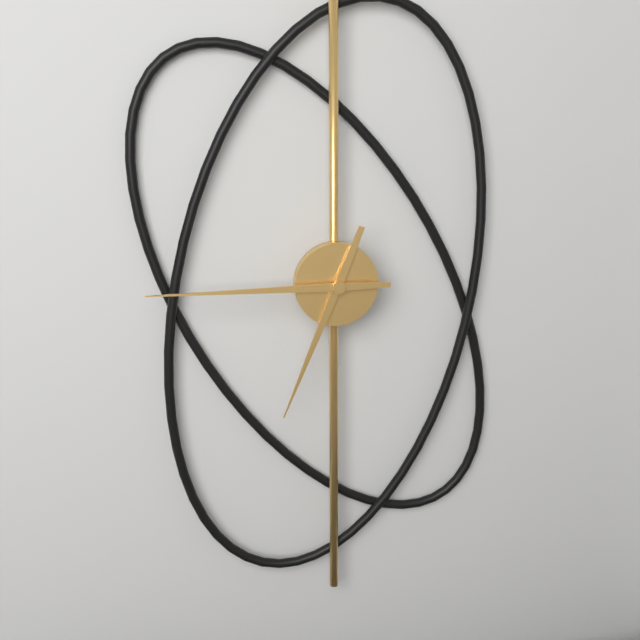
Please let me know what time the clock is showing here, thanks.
6:45
